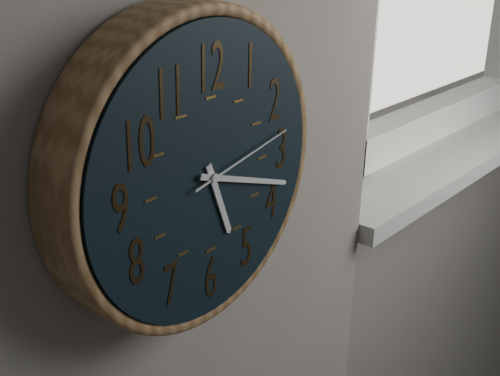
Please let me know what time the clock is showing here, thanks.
5:18:13
